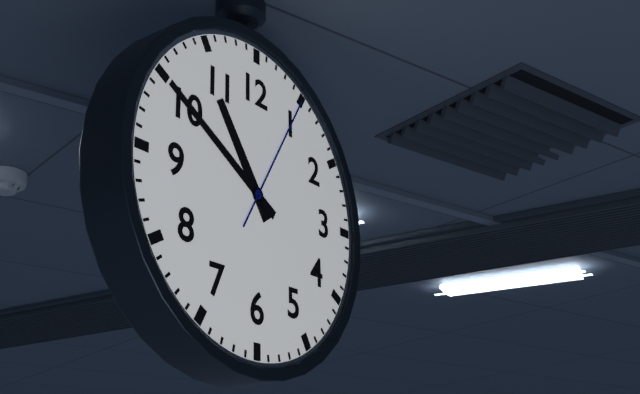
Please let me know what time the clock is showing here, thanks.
10:50:05
